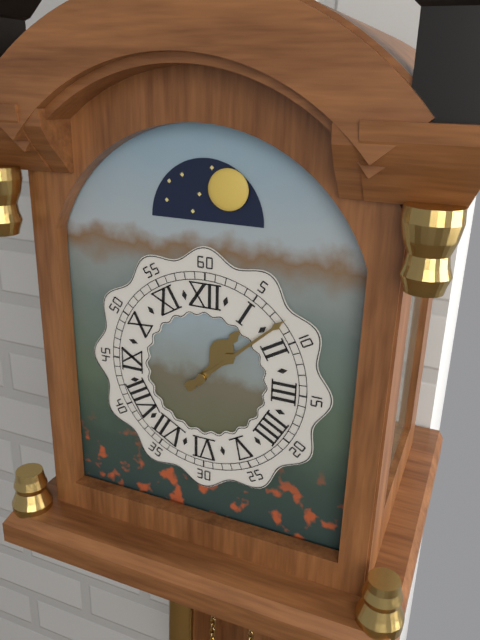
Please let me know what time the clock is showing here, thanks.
1:08
